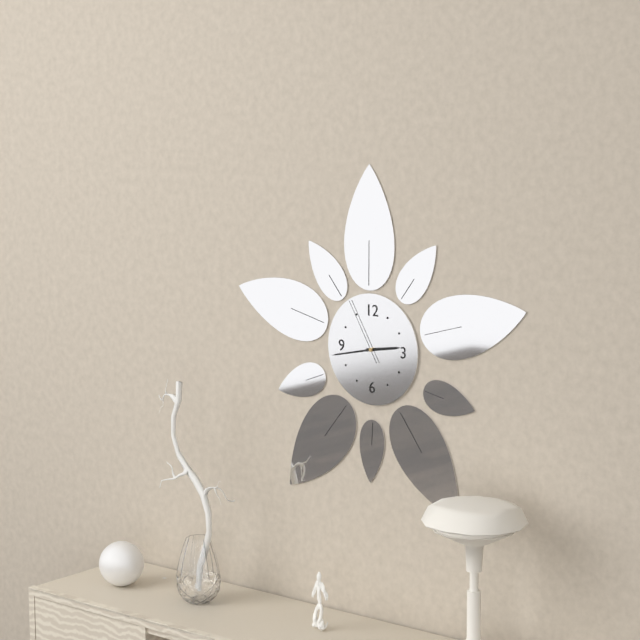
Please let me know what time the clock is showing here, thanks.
2:43:55
